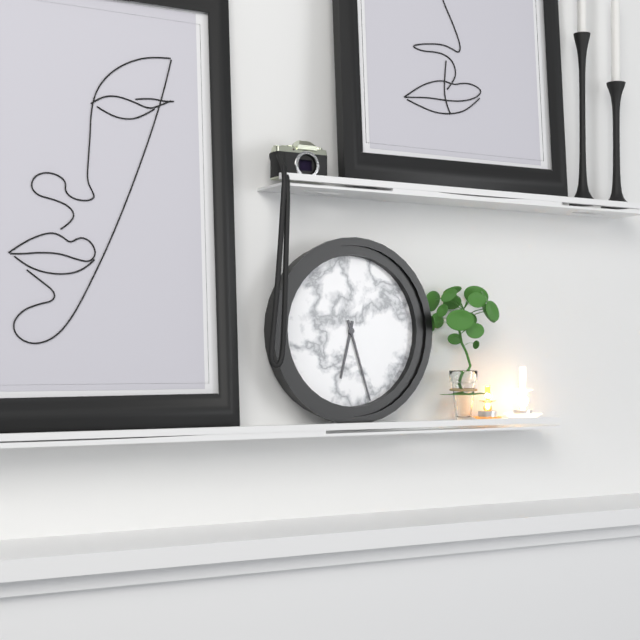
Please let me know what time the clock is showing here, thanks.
6:27
